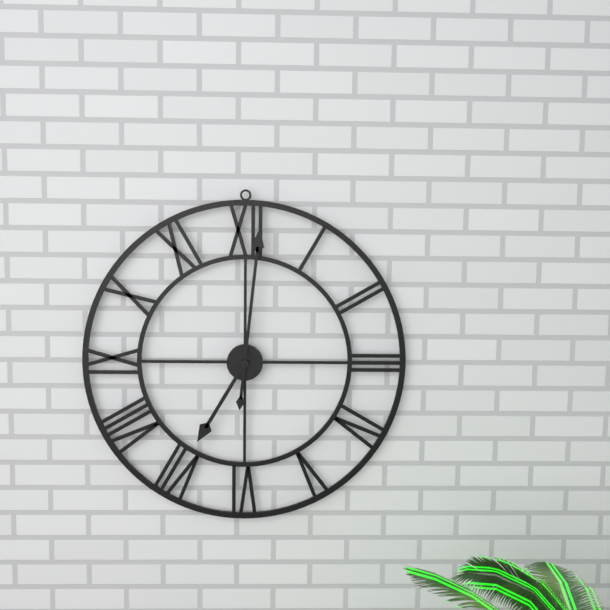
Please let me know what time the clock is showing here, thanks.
7:01
